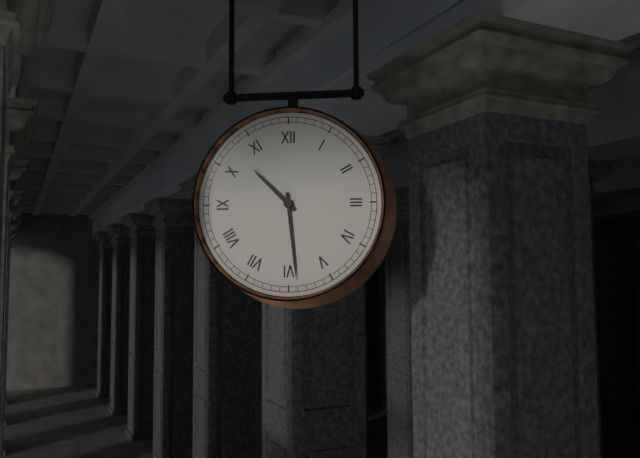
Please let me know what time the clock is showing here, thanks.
10:29
